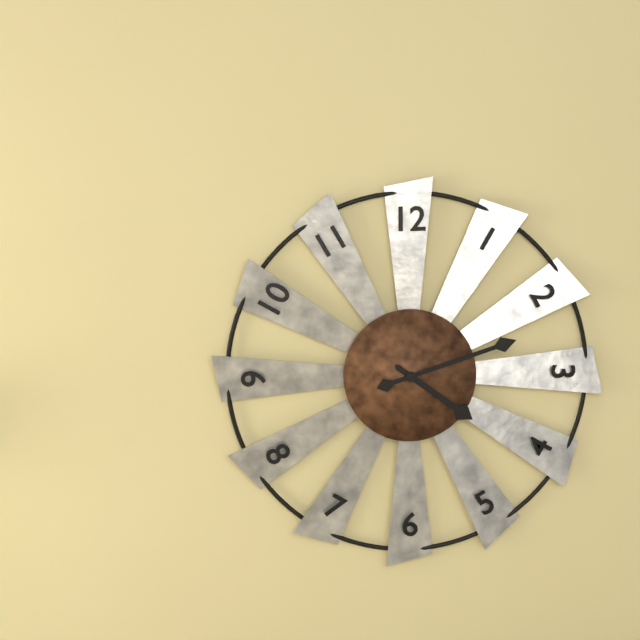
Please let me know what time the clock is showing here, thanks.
4:12
